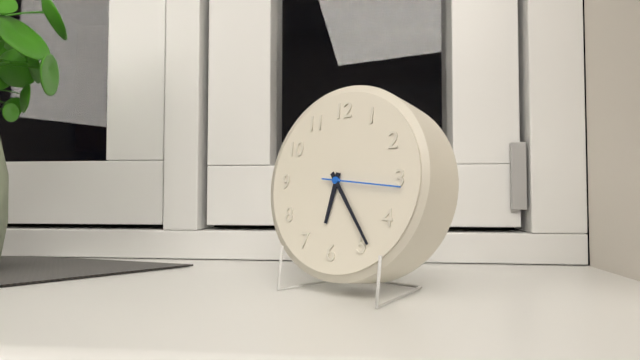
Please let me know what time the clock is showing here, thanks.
6:24:16
